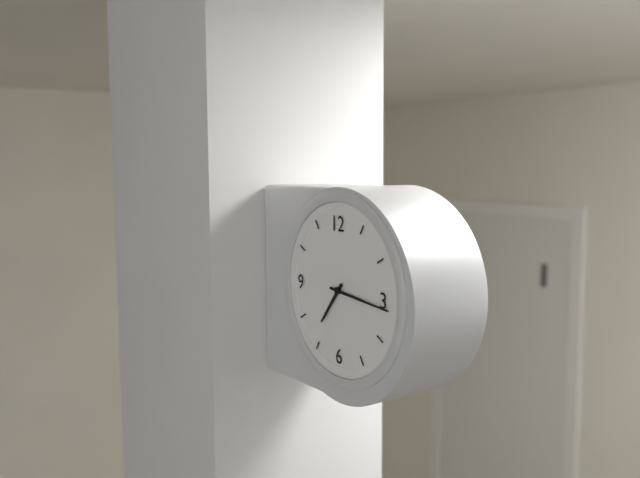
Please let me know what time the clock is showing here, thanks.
7:16
